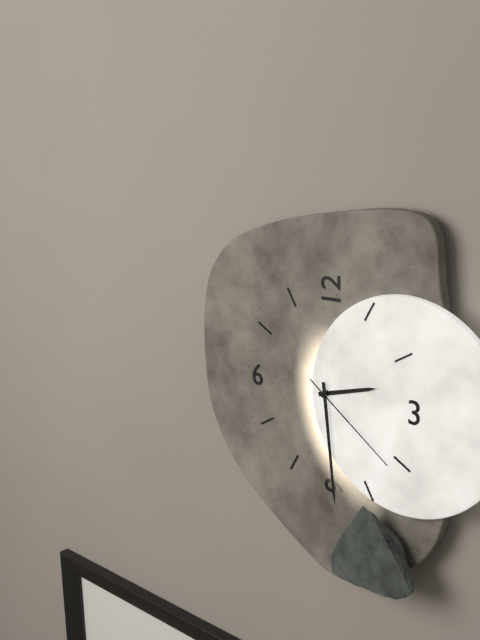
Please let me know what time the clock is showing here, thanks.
2:29:21
